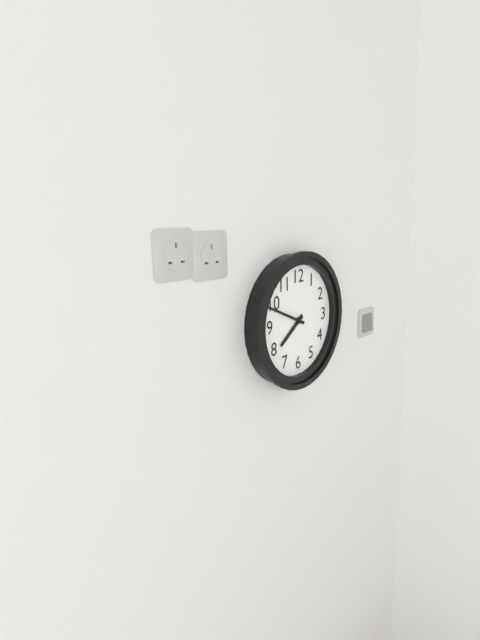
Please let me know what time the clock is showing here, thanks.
7:49
